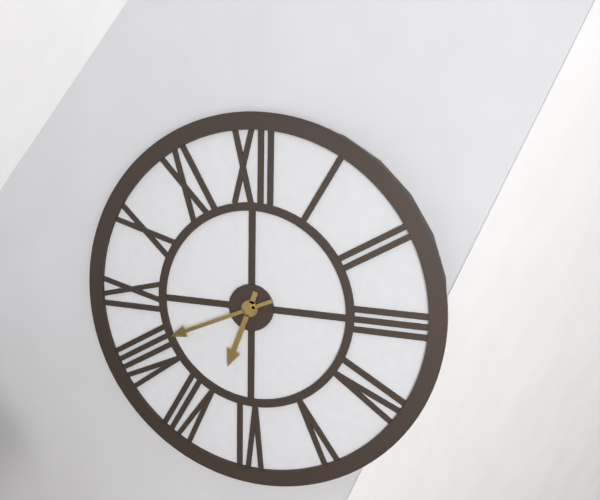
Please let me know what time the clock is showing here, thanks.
6:41
